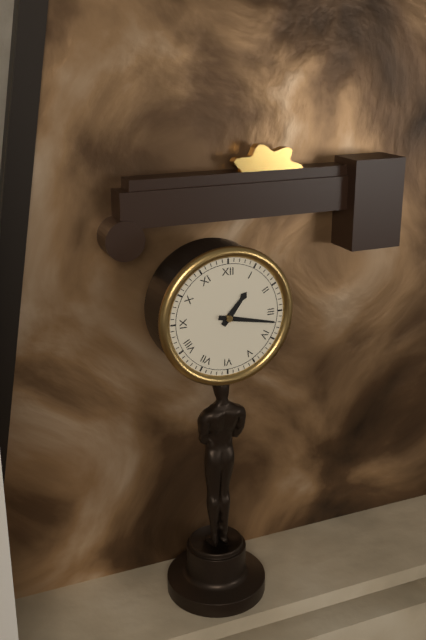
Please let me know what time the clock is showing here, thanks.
1:17
